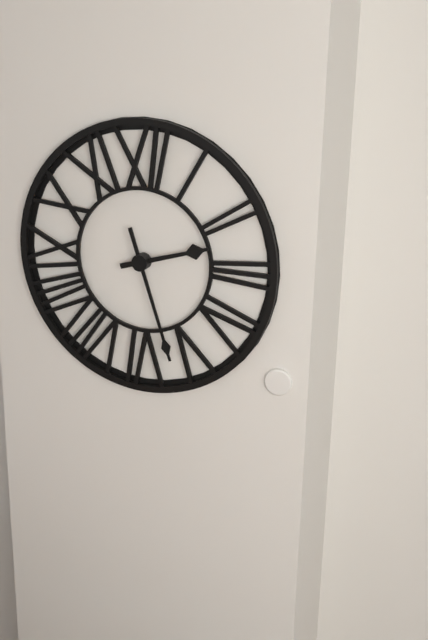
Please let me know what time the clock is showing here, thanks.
2:27
